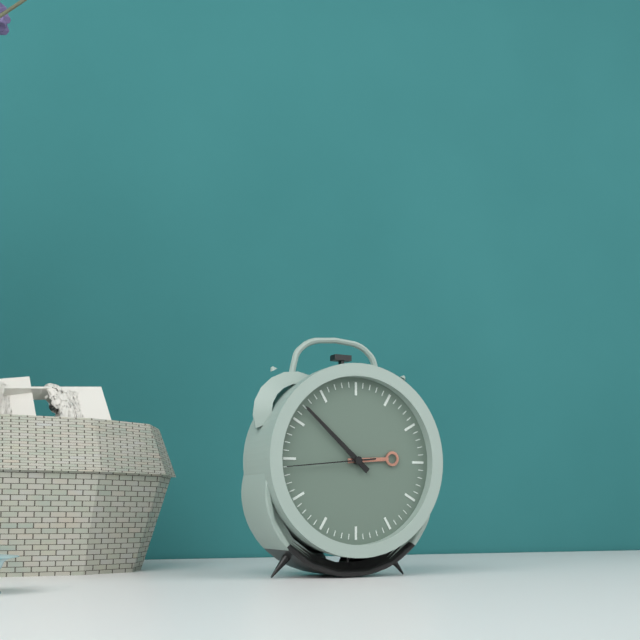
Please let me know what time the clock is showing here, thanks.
2:52:44
